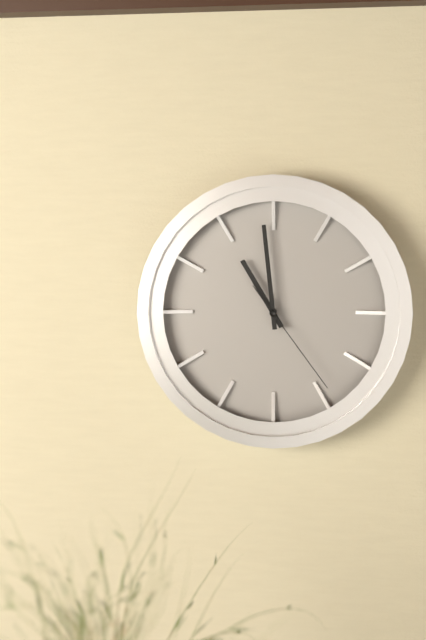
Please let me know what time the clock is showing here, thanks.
10:59:24
